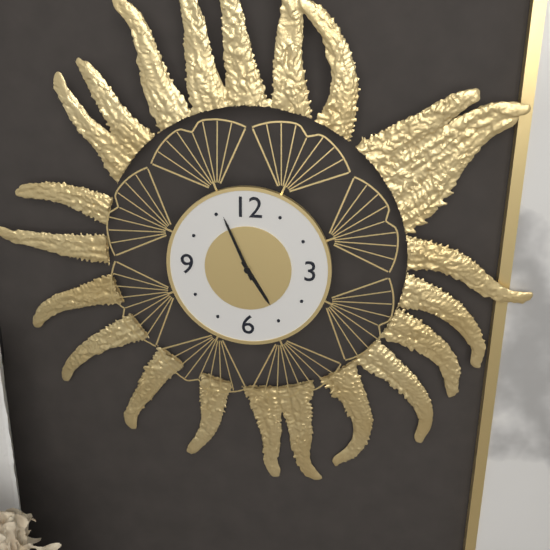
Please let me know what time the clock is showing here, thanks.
4:56
